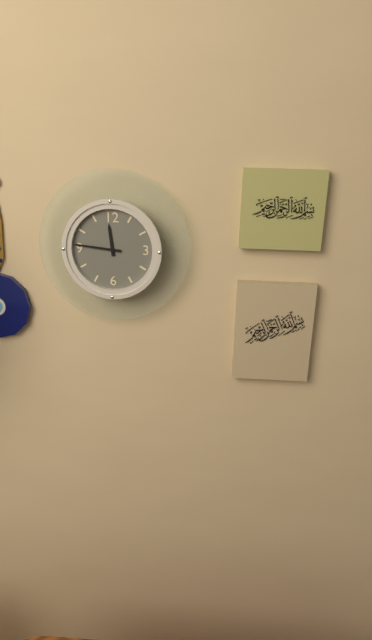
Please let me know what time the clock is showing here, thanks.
11:46
